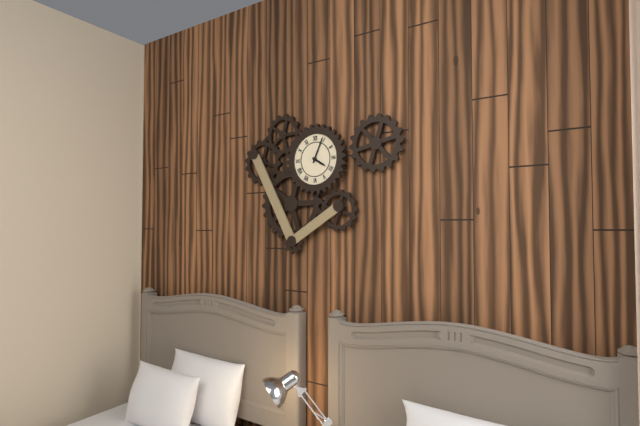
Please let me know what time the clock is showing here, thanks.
4:04
